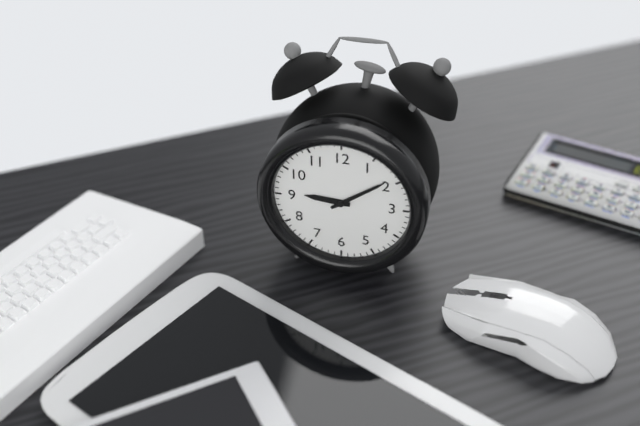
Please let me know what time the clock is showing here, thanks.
9:09
